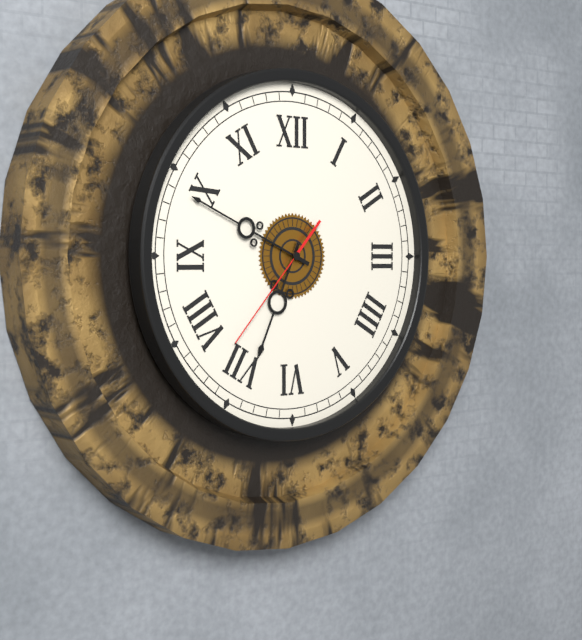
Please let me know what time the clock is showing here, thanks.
6:49:37
